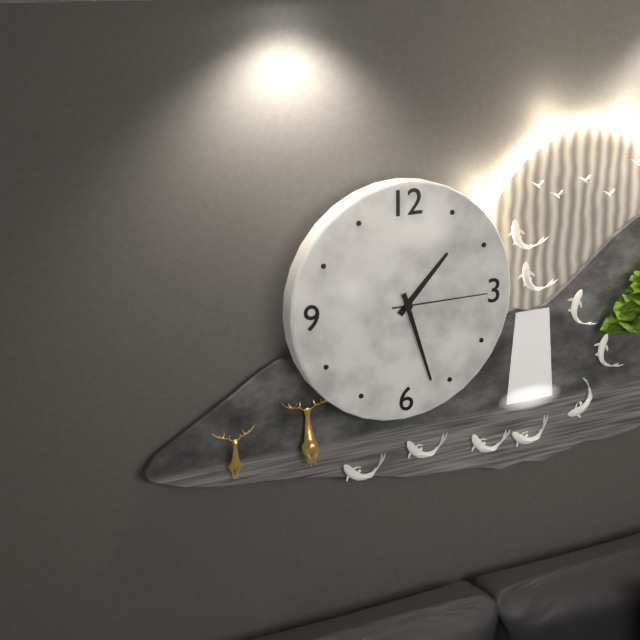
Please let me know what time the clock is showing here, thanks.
1:27:15
